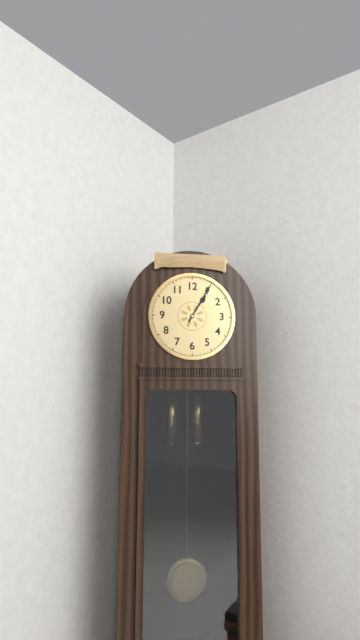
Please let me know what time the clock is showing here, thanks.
1:05
